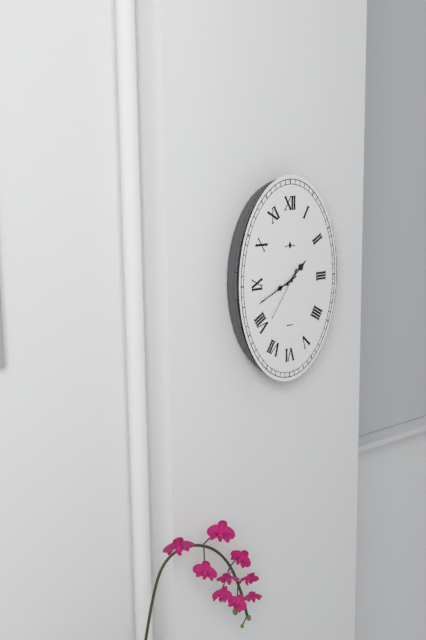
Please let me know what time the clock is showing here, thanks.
1:41:36
